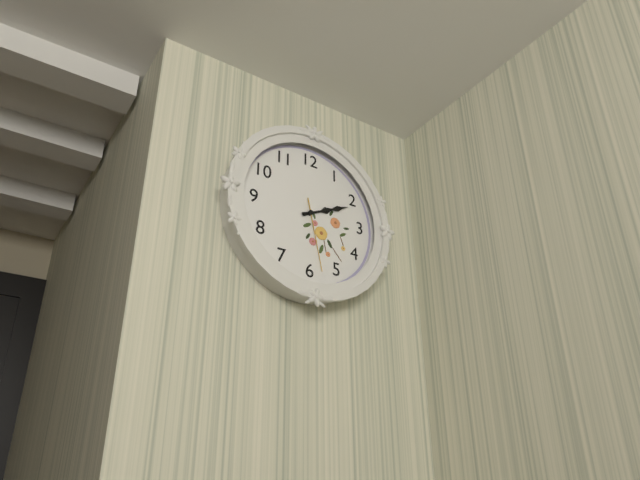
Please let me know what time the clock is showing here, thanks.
2:11:28
